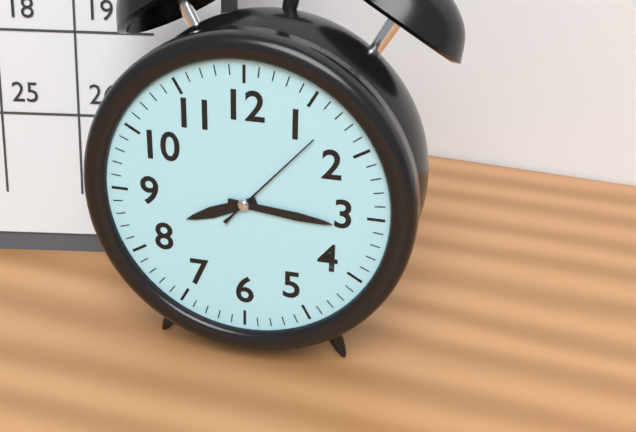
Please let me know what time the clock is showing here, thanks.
8:16:07
